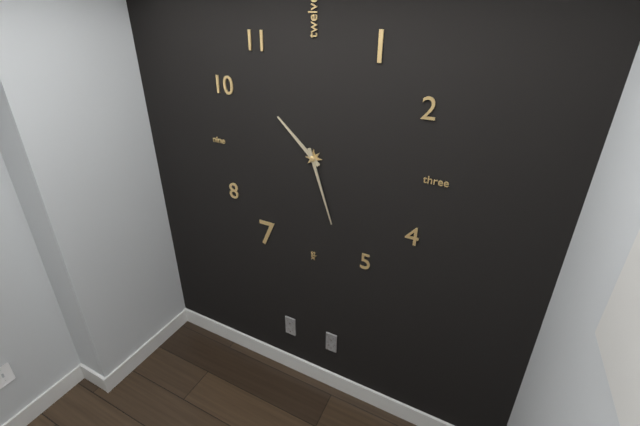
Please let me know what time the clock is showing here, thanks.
10:27
